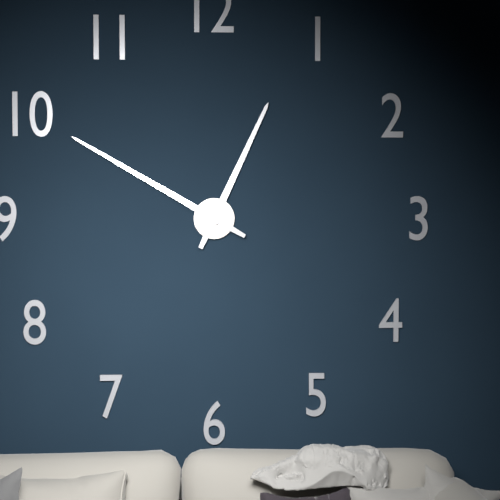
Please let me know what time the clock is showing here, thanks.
12:50
